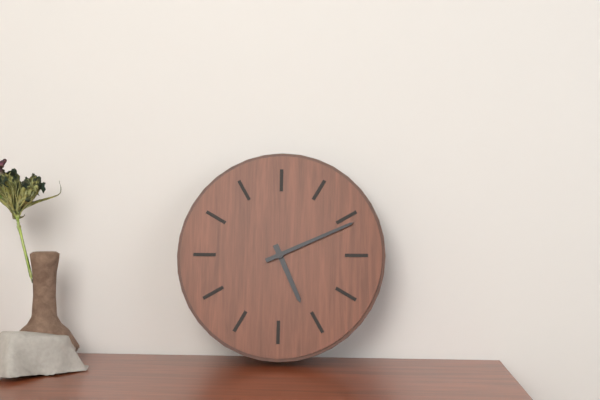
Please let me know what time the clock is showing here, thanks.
5:11
